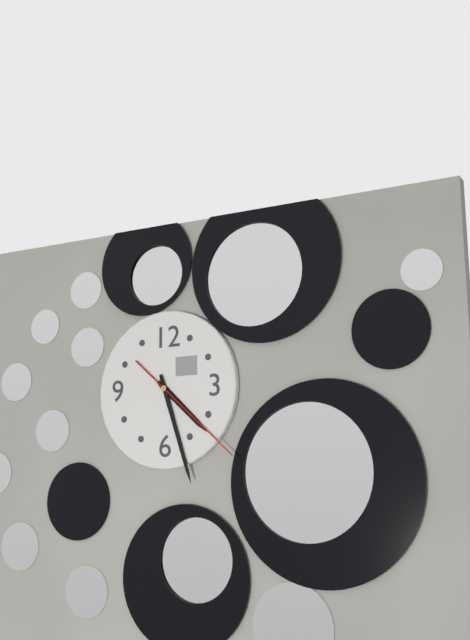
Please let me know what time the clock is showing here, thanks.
4:27:22
